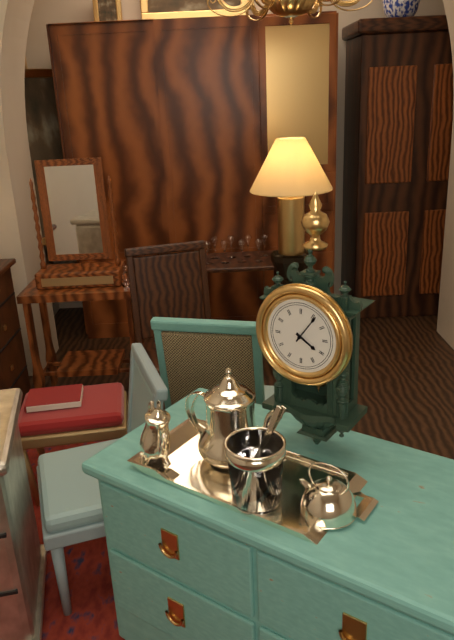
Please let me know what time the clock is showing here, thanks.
4:06
